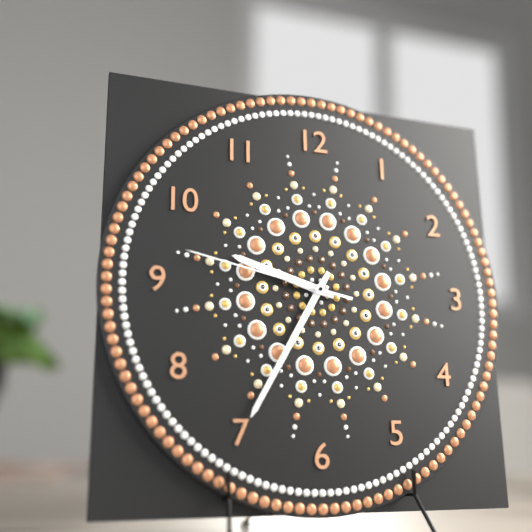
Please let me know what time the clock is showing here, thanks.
9:35:47
